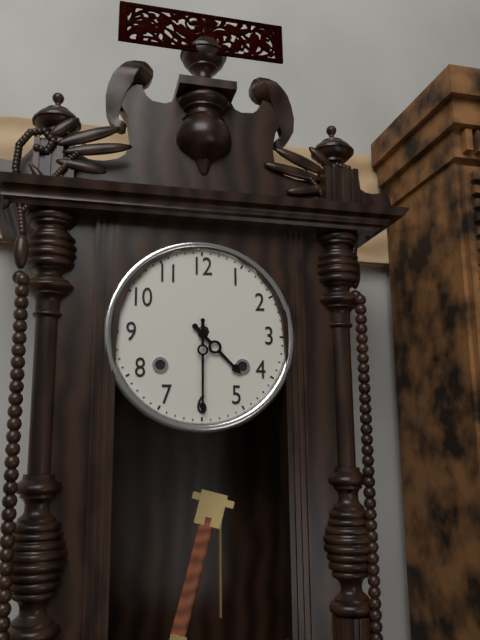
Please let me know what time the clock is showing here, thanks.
4:30
